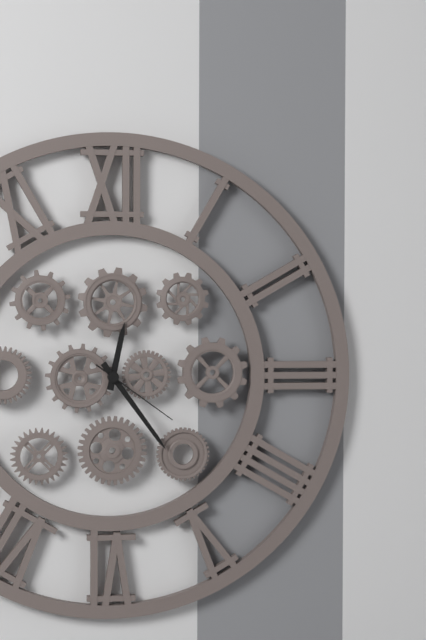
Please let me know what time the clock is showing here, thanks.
12:24:21
